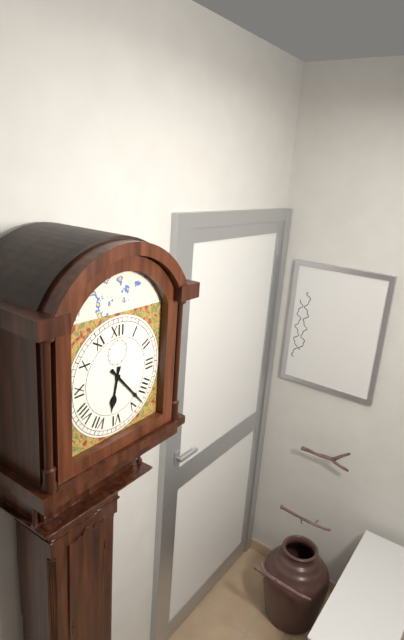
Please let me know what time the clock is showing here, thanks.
6:23
